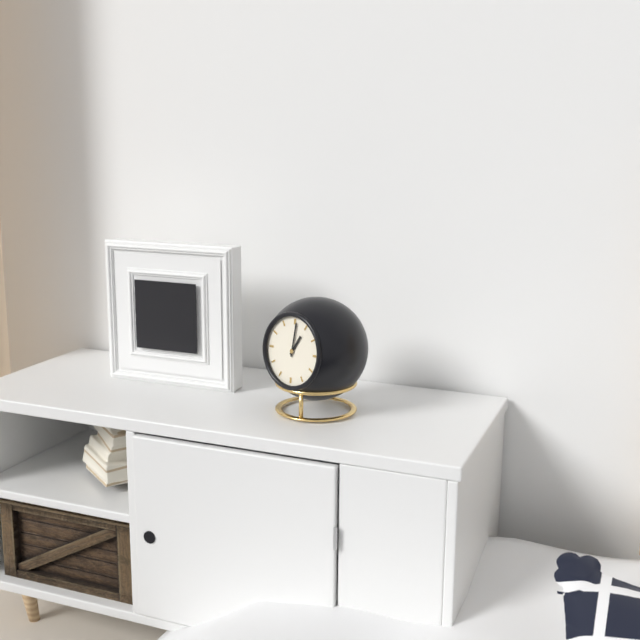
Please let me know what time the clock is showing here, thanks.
1:01
